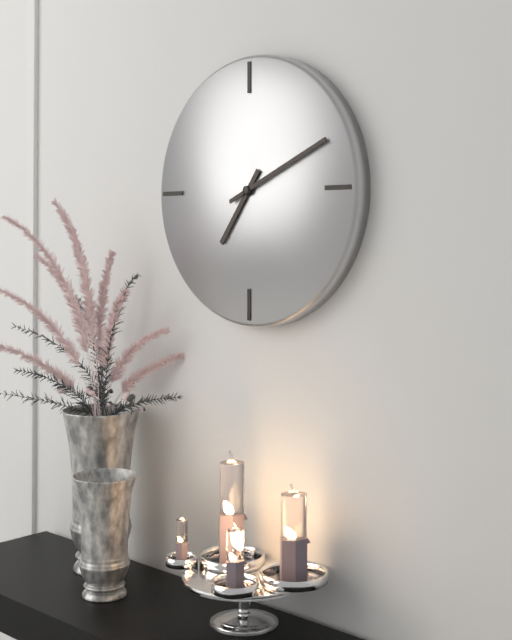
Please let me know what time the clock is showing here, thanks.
7:11
